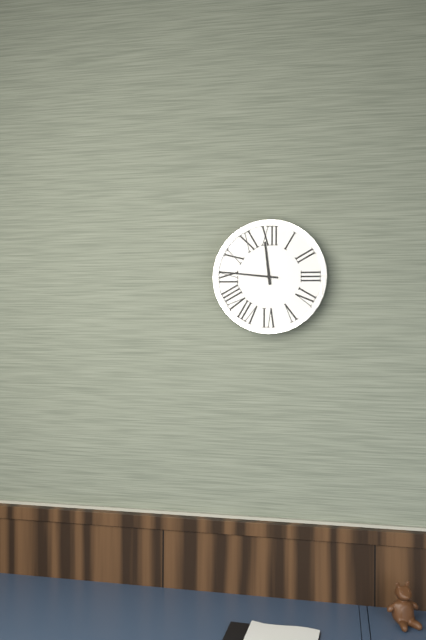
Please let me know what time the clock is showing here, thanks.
11:46
